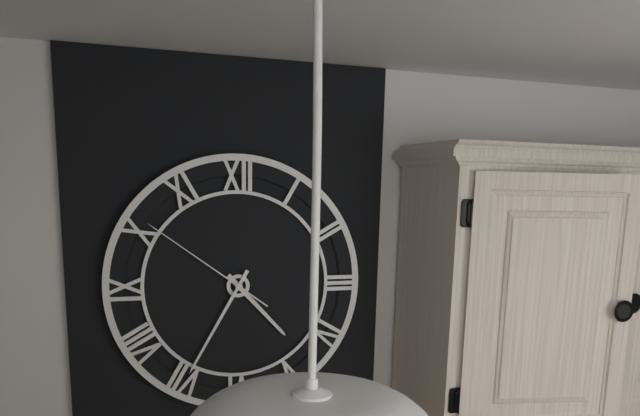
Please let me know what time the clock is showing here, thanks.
4:35:51
